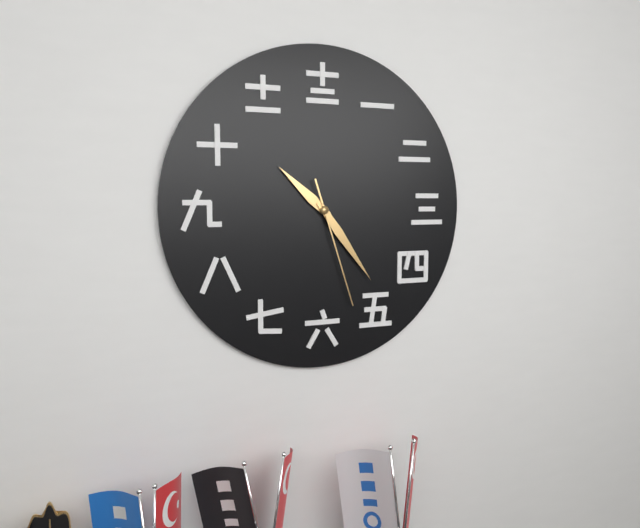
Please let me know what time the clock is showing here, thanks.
10:24:27
